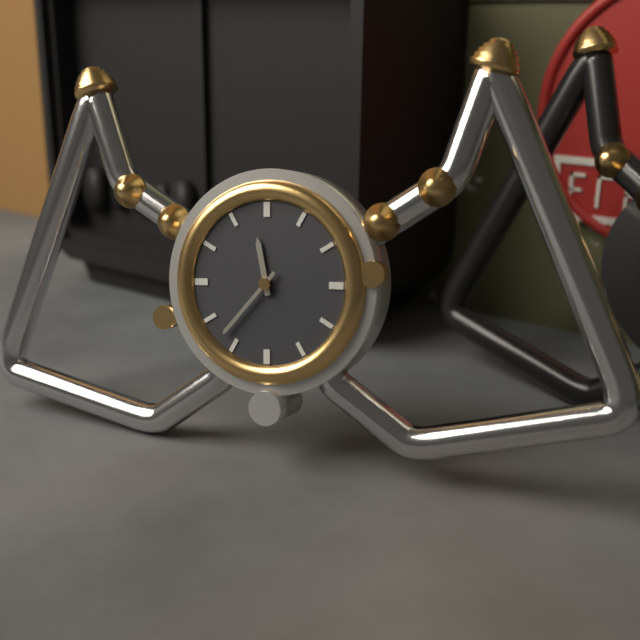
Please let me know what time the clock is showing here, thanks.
11:37
